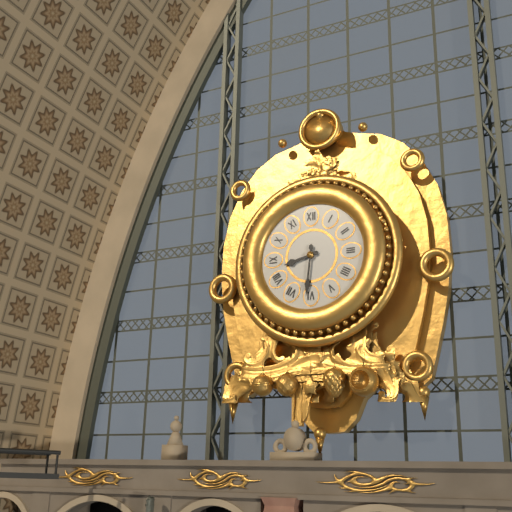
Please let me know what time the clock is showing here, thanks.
8:31
